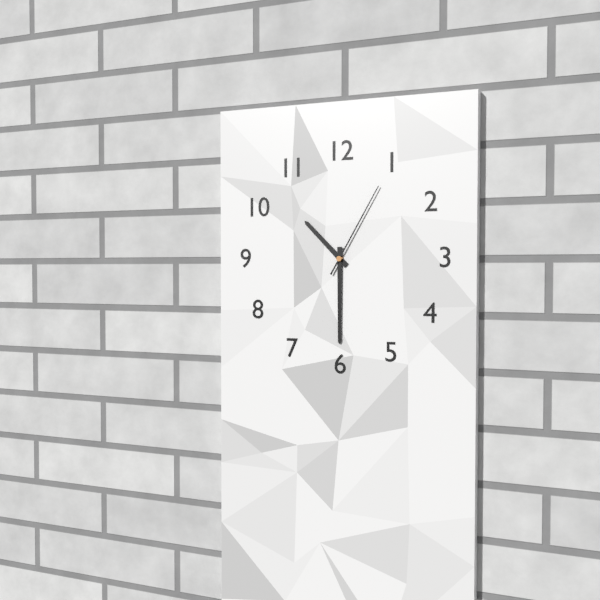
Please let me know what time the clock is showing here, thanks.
10:30:05
